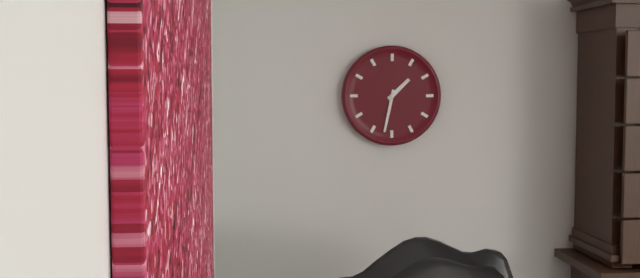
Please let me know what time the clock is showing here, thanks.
1:32
